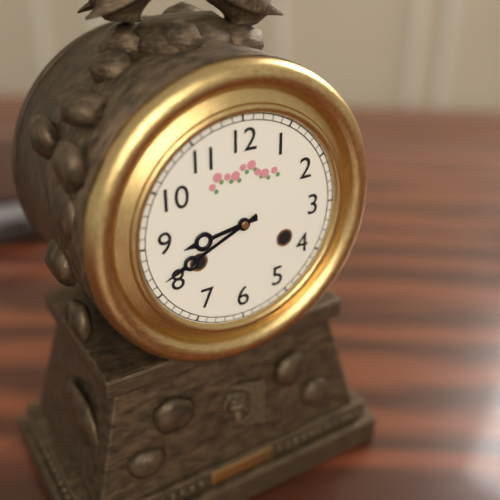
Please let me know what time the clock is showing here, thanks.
8:41
